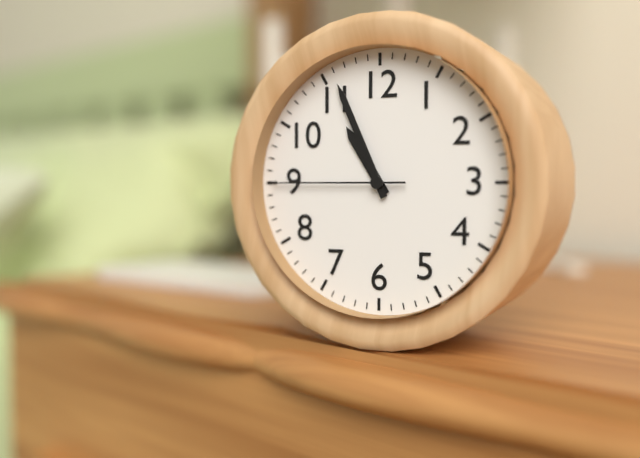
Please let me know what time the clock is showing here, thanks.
10:56:45
